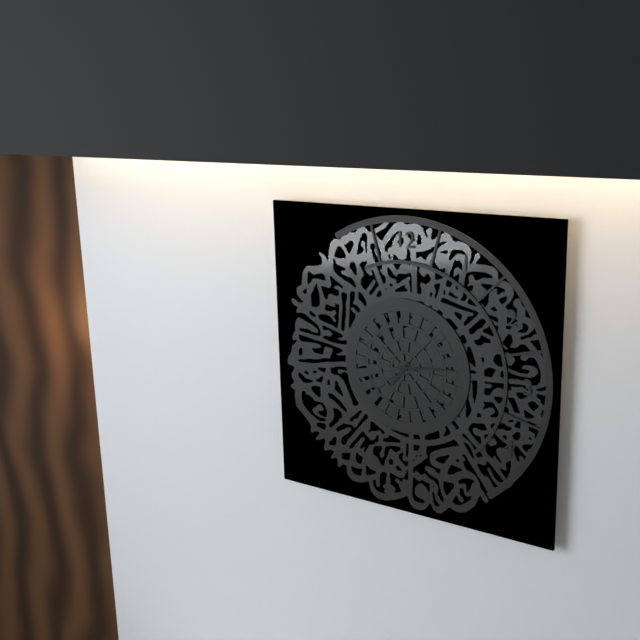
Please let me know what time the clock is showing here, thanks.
7:14
